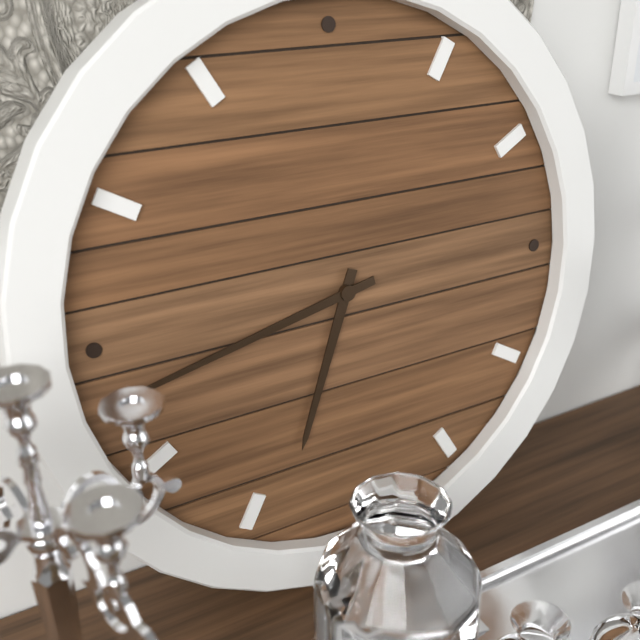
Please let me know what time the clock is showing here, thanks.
6:43
